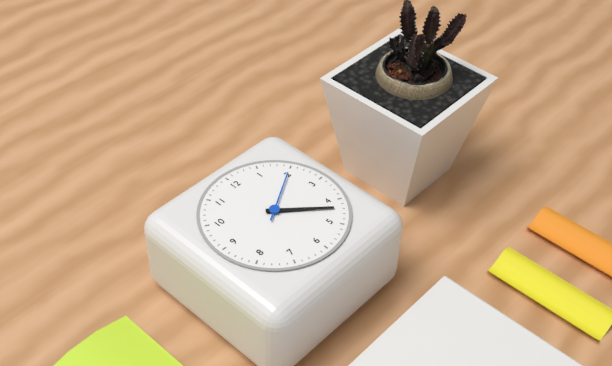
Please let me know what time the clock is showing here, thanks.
4:22:10
